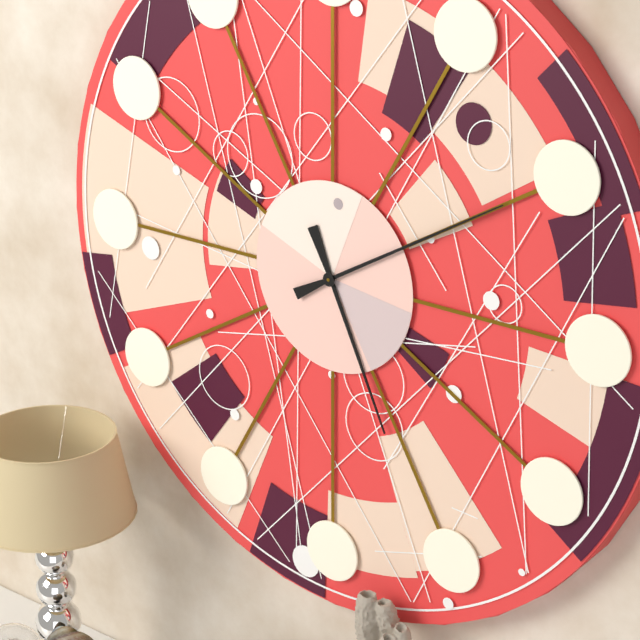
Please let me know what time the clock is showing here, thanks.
5:10
